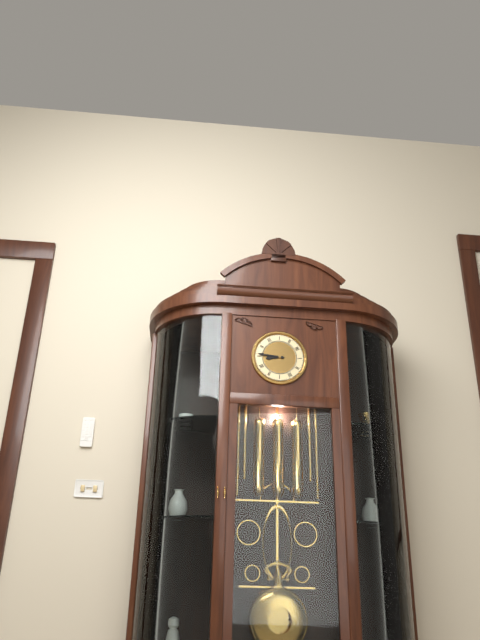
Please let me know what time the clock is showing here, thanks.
8:46
